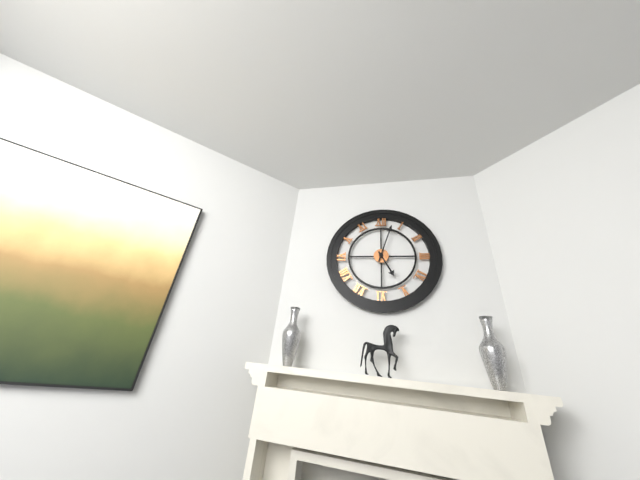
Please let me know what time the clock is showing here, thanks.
5:03
